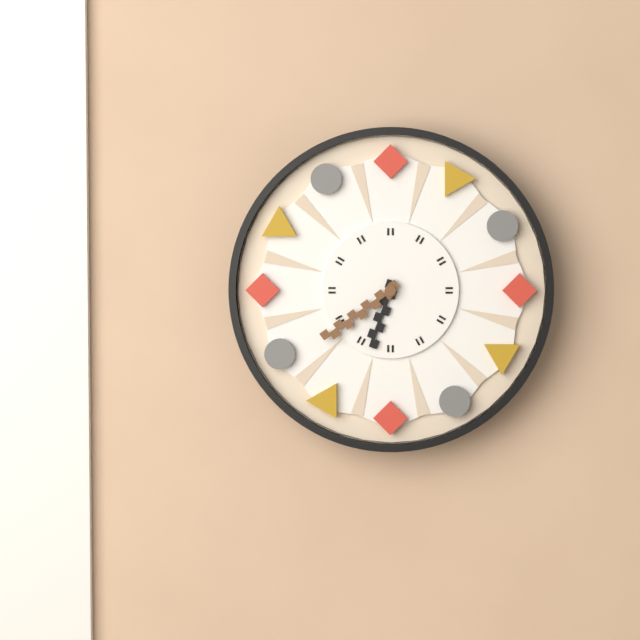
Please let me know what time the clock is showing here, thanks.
6:39
